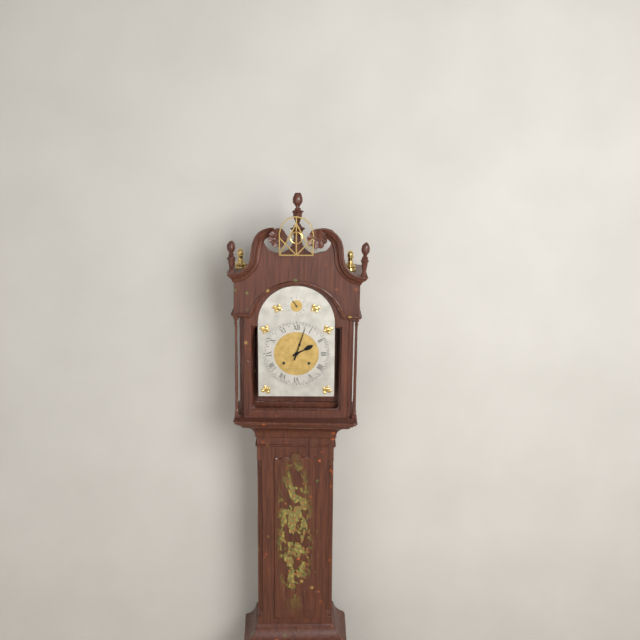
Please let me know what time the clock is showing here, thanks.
2:03
